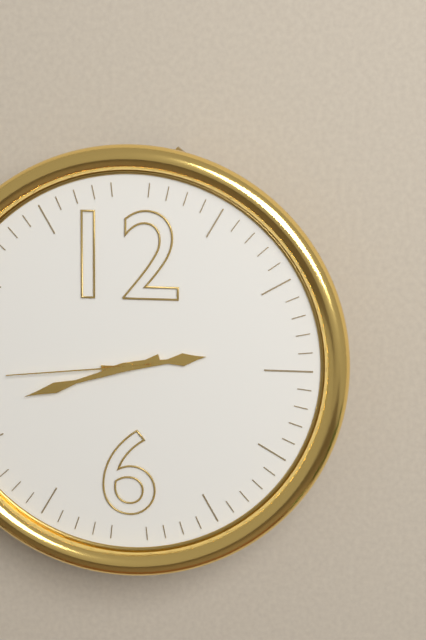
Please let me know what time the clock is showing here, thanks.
2:42:44
